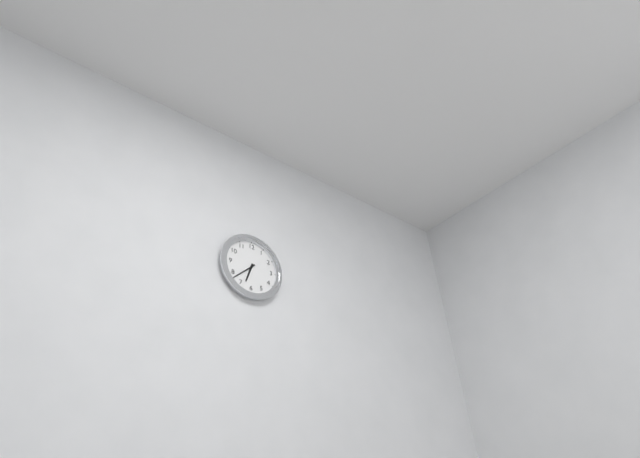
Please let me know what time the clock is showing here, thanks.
6:38
